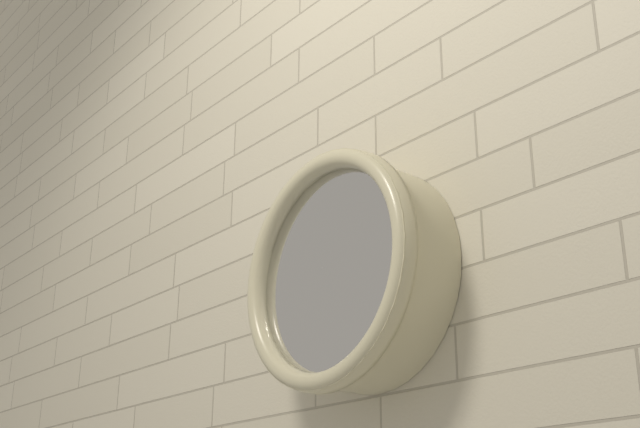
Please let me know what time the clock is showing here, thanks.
6:24
